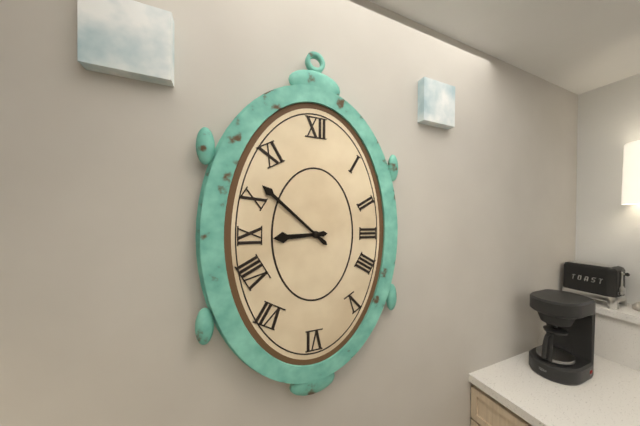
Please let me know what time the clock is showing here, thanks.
8:52
